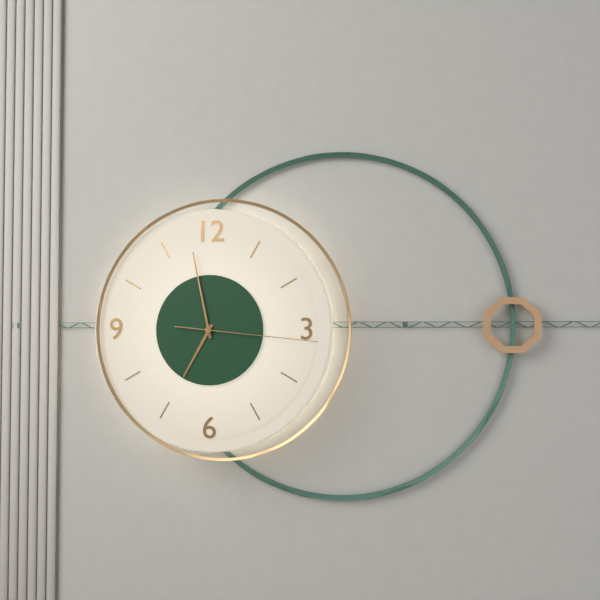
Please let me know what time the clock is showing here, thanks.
6:58:16
